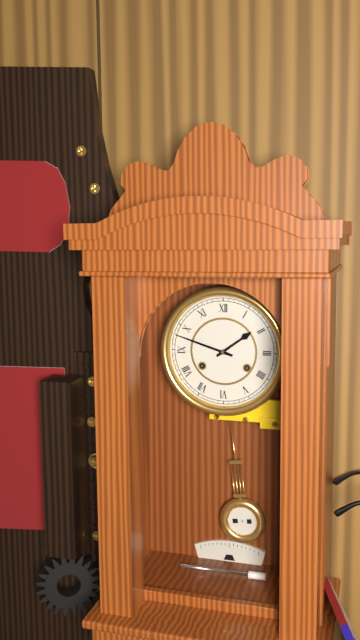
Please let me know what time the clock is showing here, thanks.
1:48
